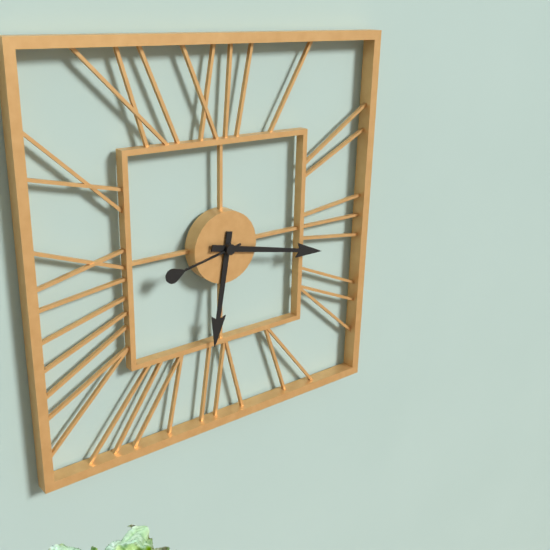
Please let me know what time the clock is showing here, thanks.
6:17:43
